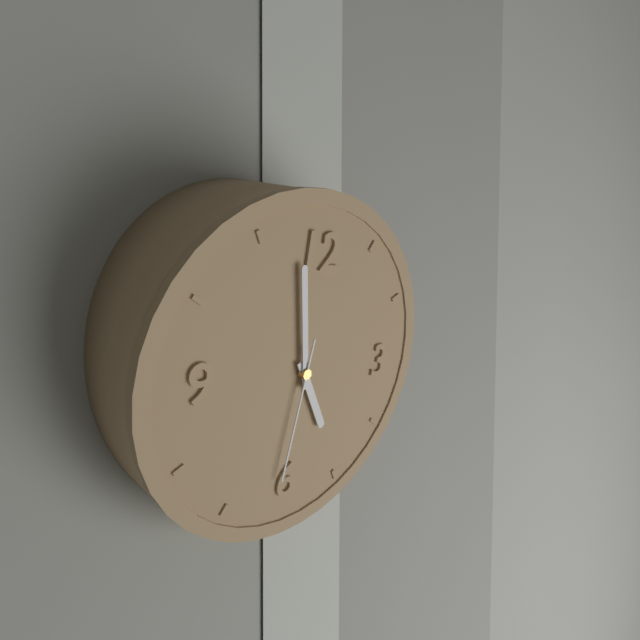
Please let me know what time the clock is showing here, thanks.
4:58:31
